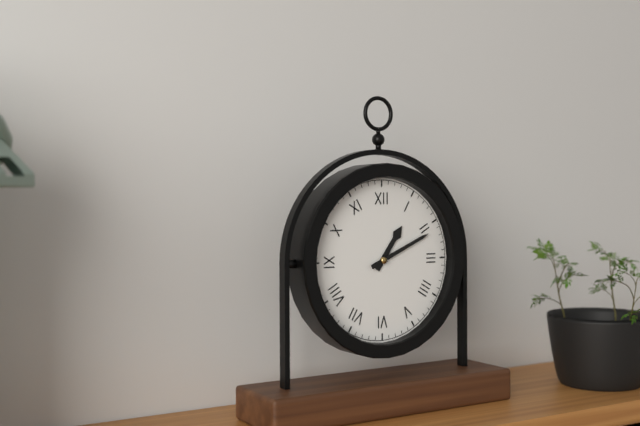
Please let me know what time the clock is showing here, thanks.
1:11
